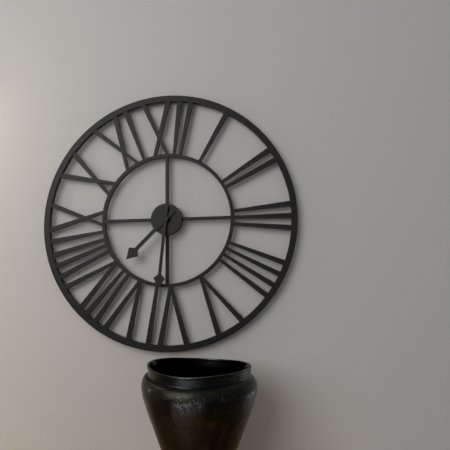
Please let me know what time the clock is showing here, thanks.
7:31
